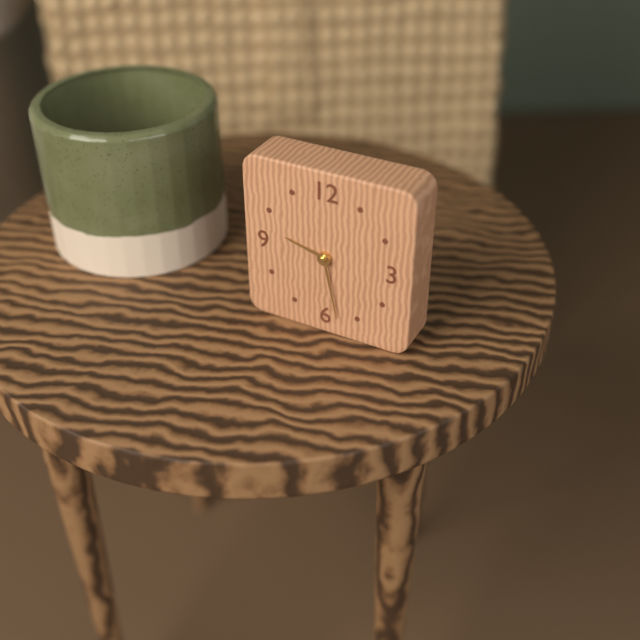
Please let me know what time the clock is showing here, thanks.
9:28
